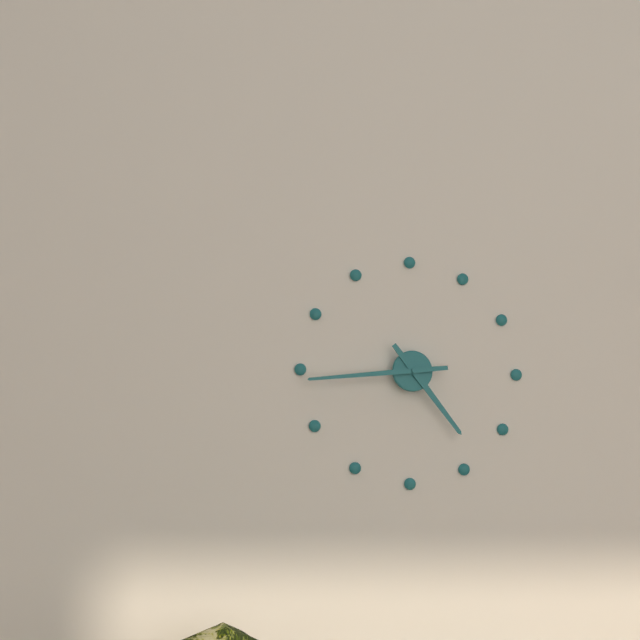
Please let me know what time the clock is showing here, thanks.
4:44
